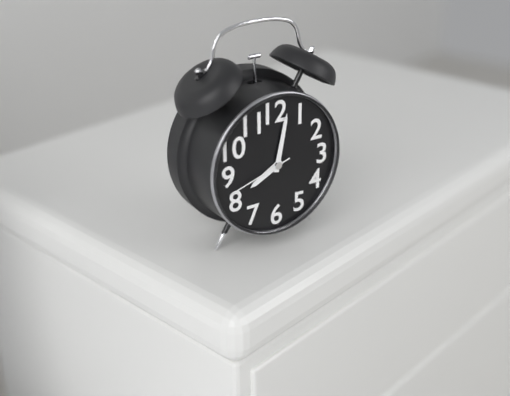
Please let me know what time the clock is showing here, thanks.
8:02:42
